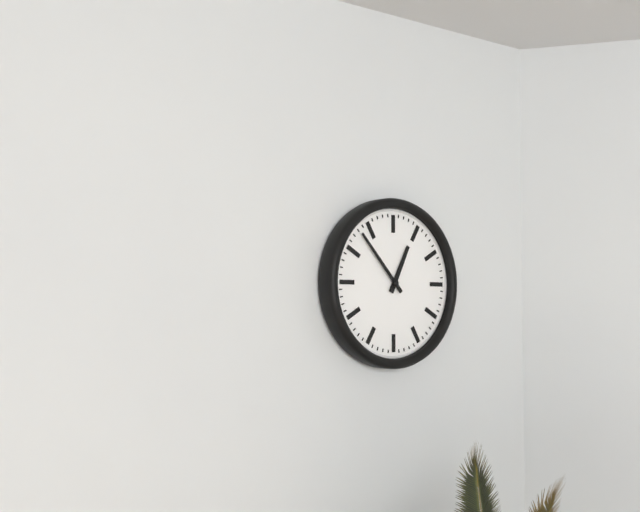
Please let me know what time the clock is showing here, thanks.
12:53
